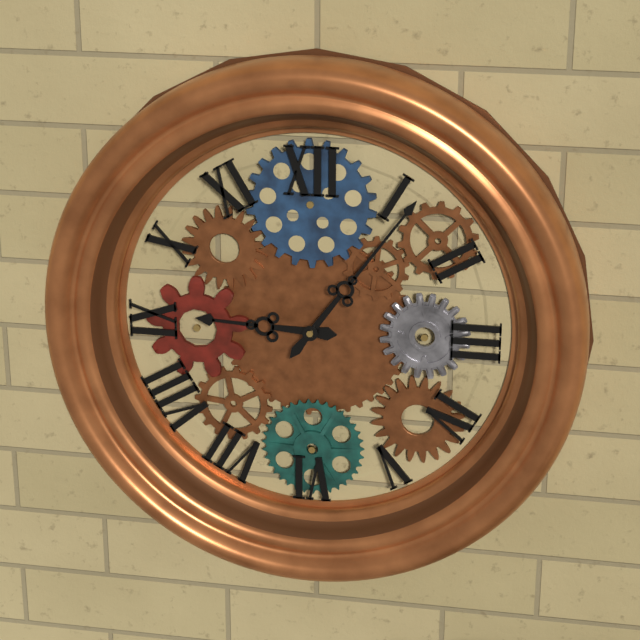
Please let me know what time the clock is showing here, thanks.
9:06
